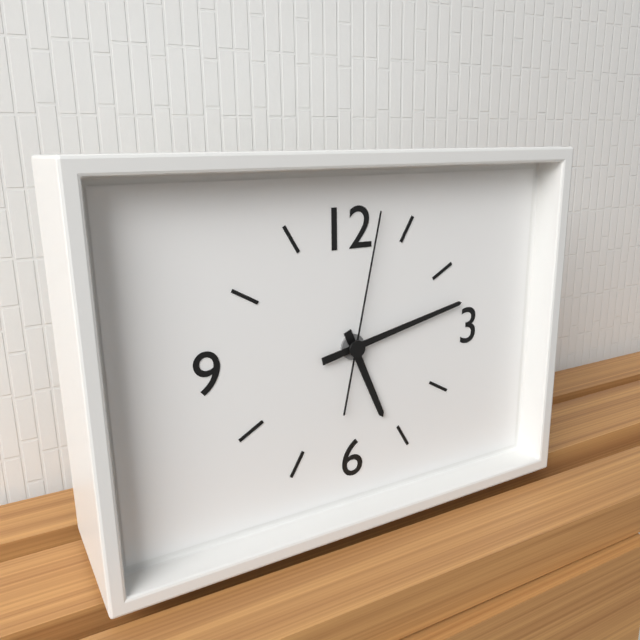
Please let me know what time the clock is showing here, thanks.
5:13:02
